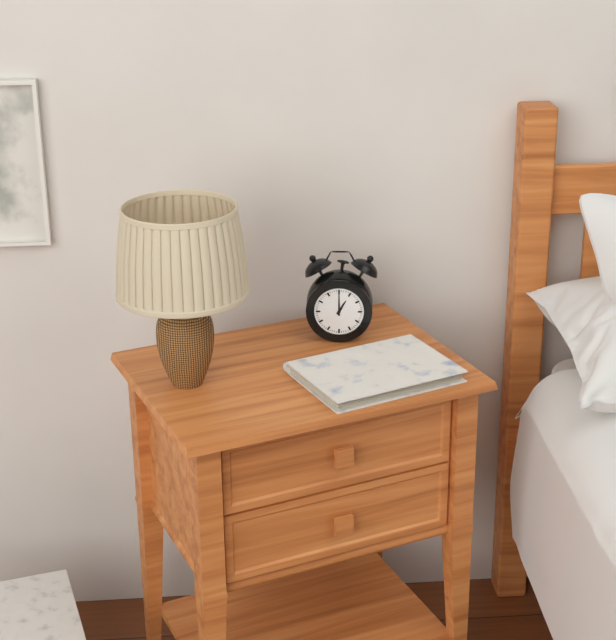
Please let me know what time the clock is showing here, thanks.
1:00
